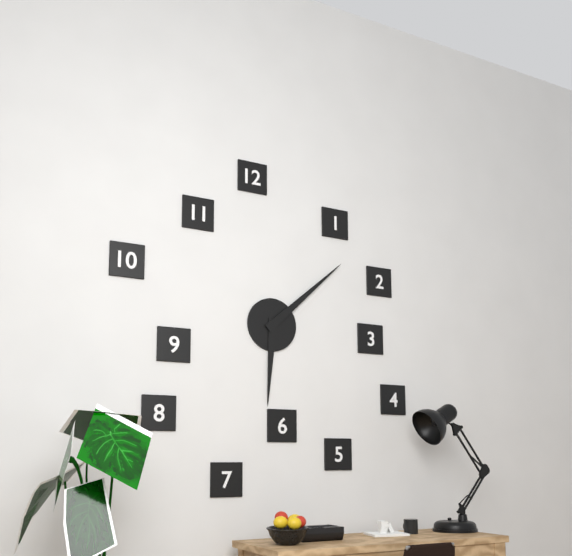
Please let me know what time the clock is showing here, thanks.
6:08
